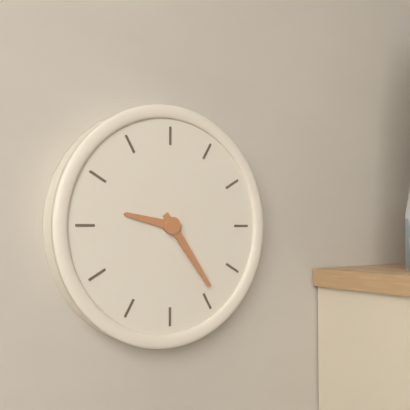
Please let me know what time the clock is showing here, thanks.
9:24
